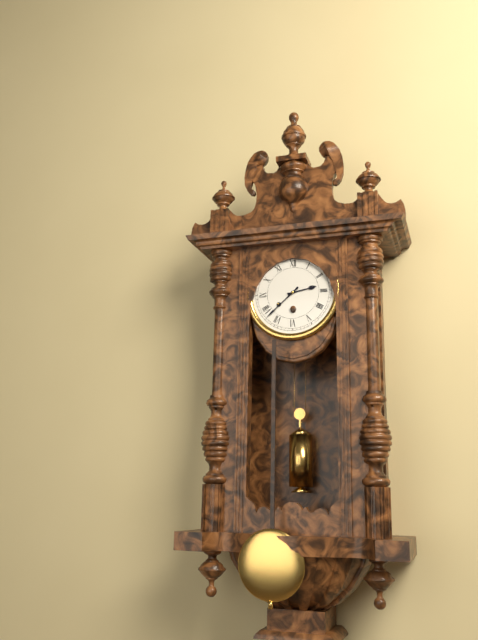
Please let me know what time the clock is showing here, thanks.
2:38
